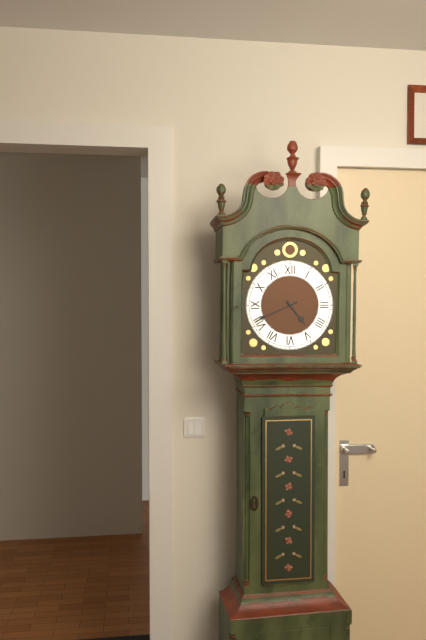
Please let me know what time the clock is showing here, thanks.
4:41
